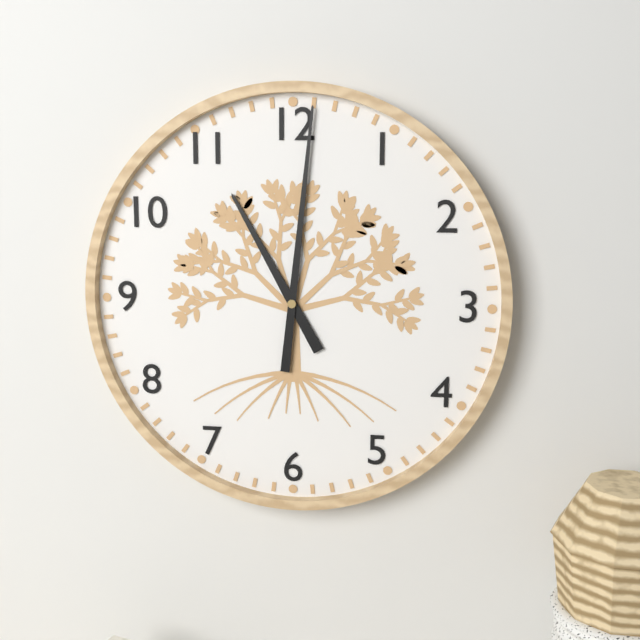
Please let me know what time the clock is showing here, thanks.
11:01
